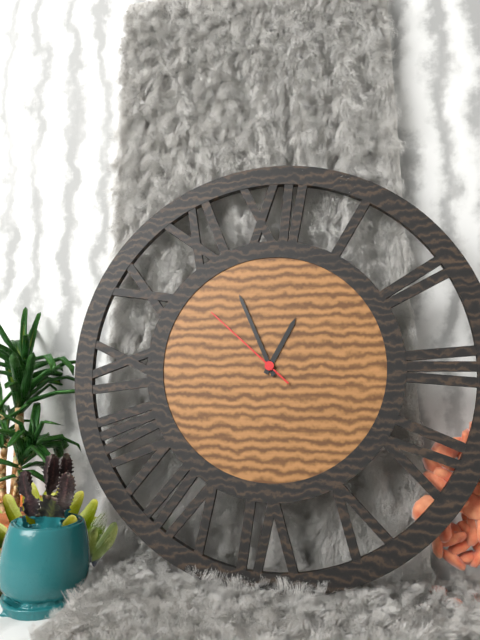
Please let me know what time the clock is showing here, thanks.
12:56:52
